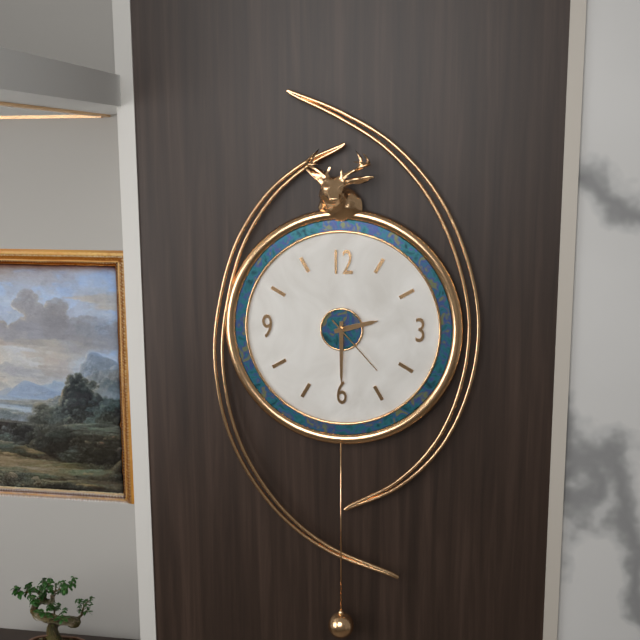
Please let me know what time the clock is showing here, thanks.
2:30:23
